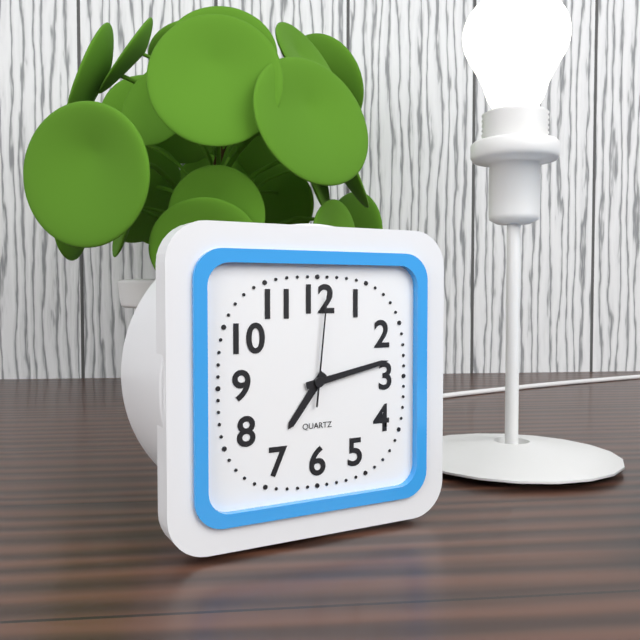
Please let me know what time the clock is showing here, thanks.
7:13:01
